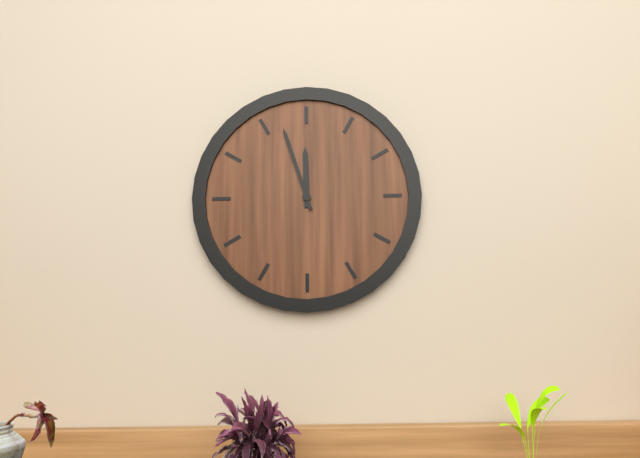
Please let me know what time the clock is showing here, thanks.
11:57
